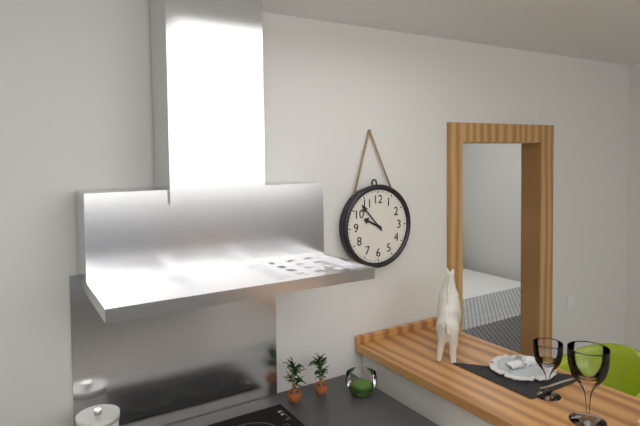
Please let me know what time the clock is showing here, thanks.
9:53
